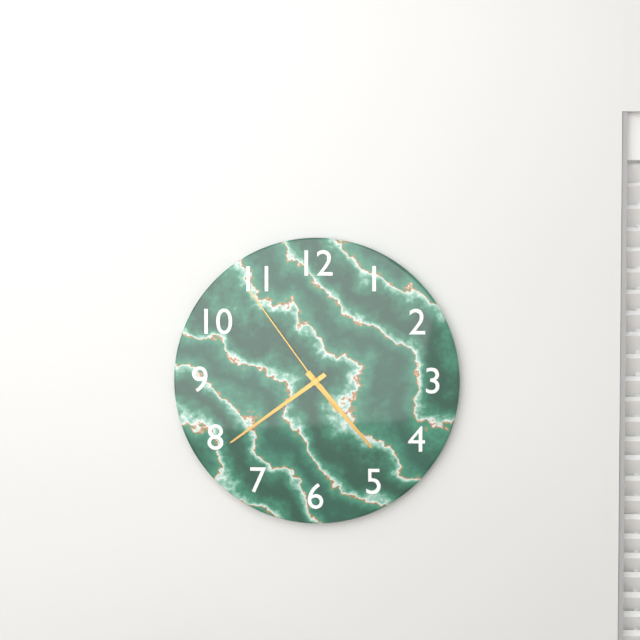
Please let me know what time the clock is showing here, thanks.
4:39:54
